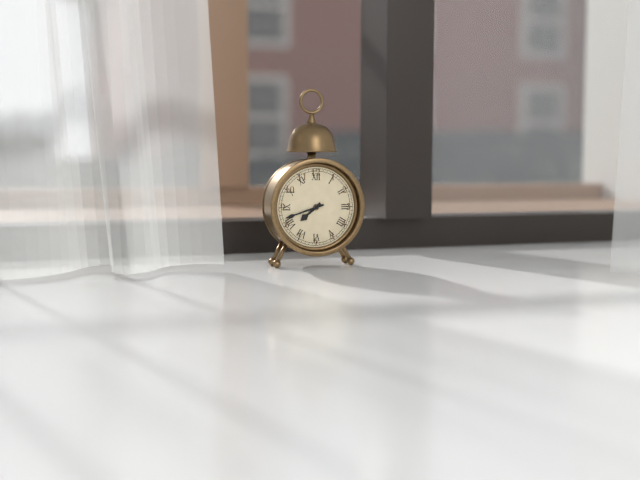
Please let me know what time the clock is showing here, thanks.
7:42
